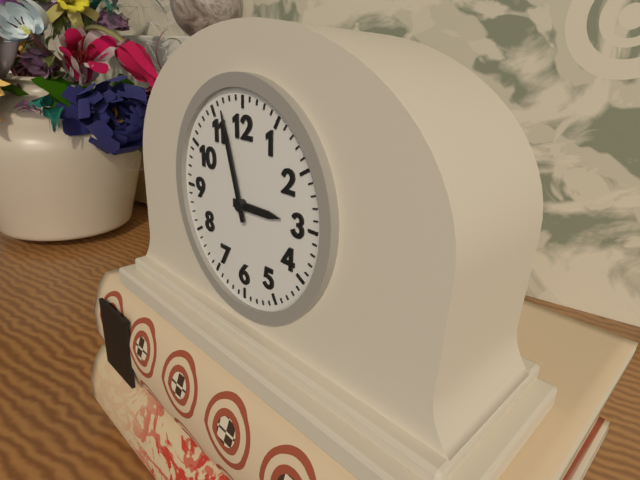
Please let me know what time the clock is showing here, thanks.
2:57
